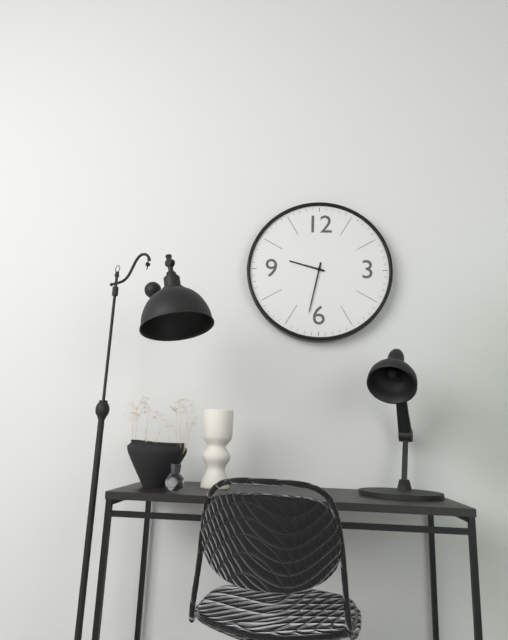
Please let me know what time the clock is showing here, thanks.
9:32
